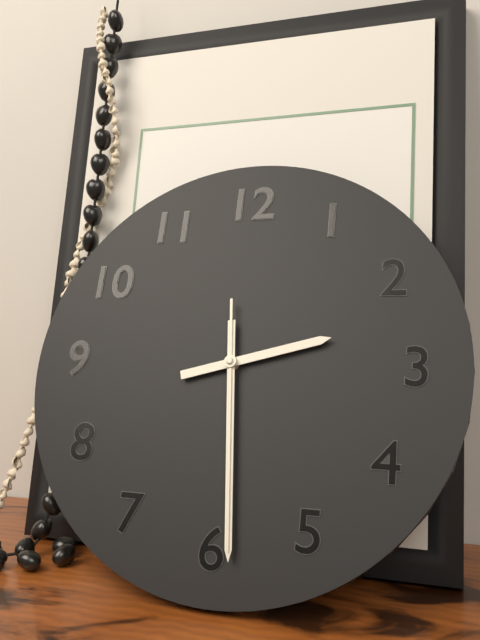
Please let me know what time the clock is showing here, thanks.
2:29:29
